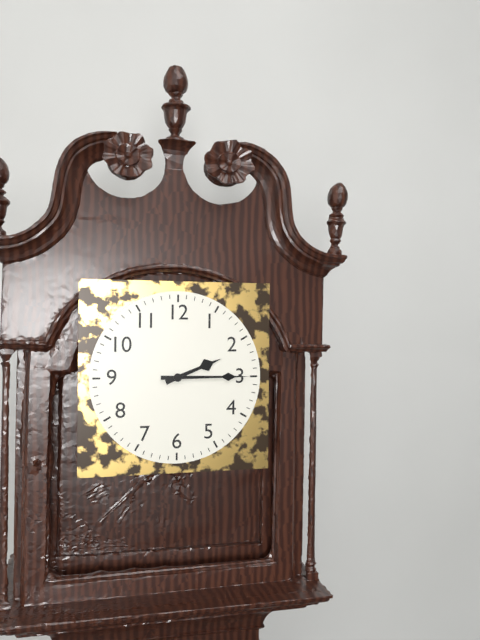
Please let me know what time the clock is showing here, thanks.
2:15
